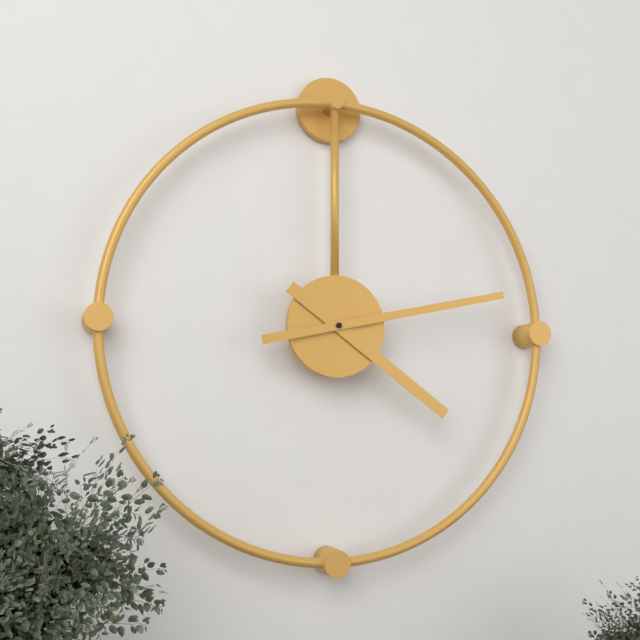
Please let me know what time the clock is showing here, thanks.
4:13
